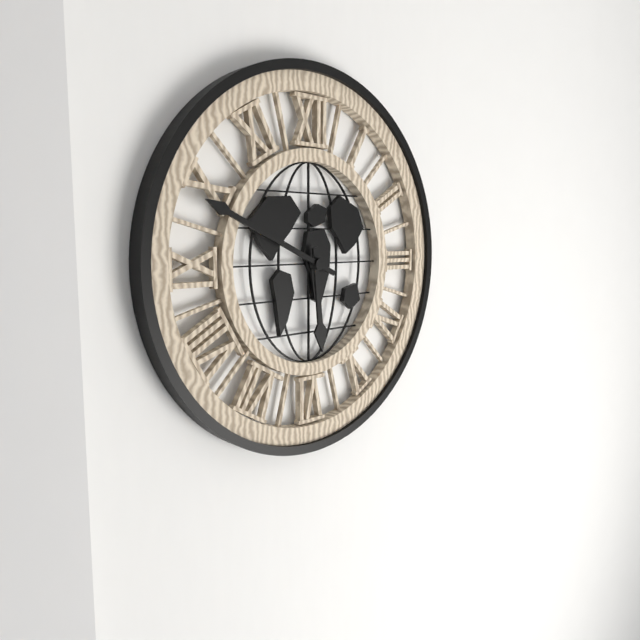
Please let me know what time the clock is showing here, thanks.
5:49
